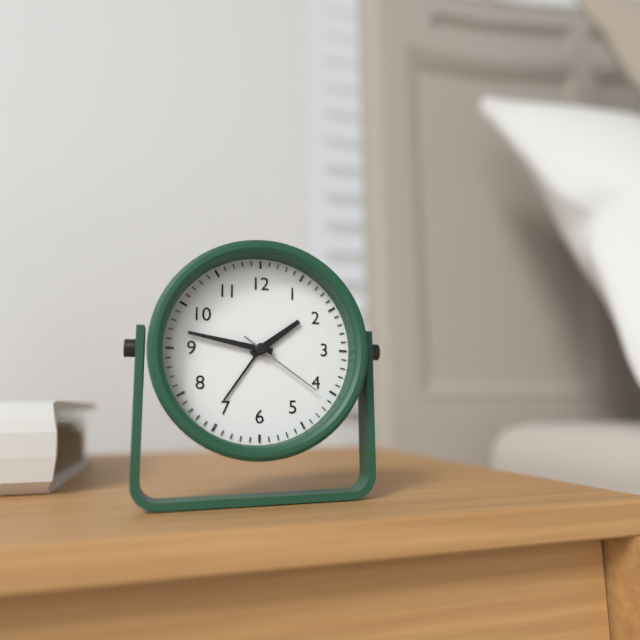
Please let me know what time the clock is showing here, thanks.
1:47:21
